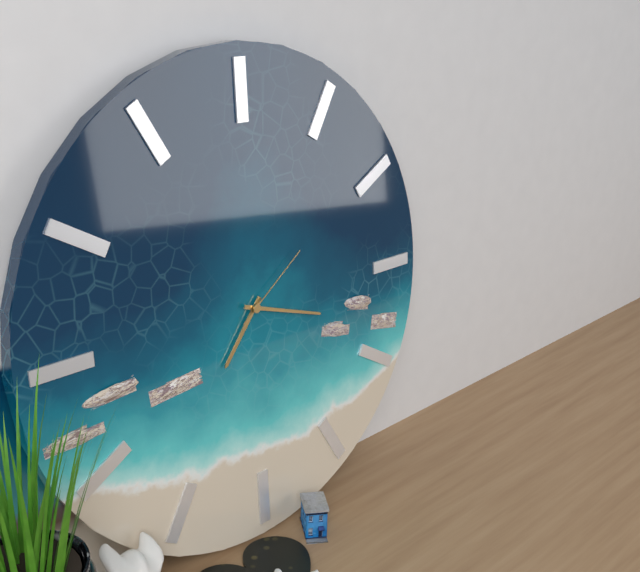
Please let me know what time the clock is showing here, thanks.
7:18:09
